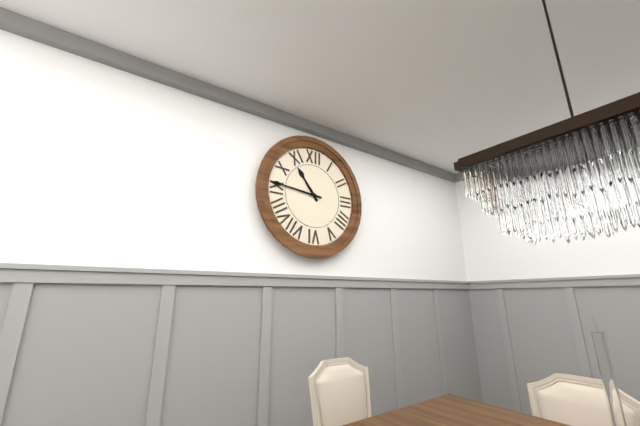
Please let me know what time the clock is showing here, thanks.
10:46
